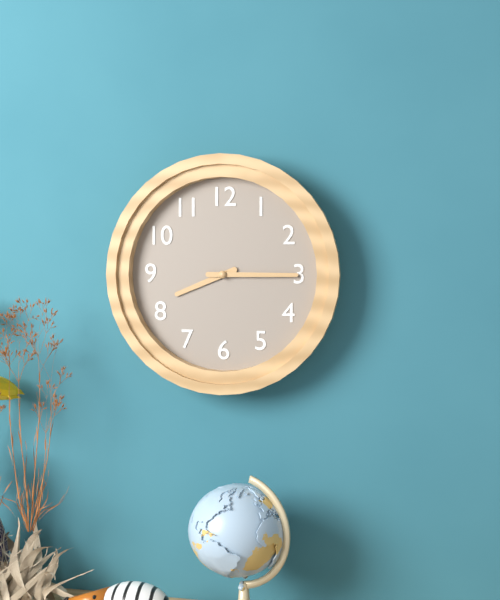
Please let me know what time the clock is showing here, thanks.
8:15
